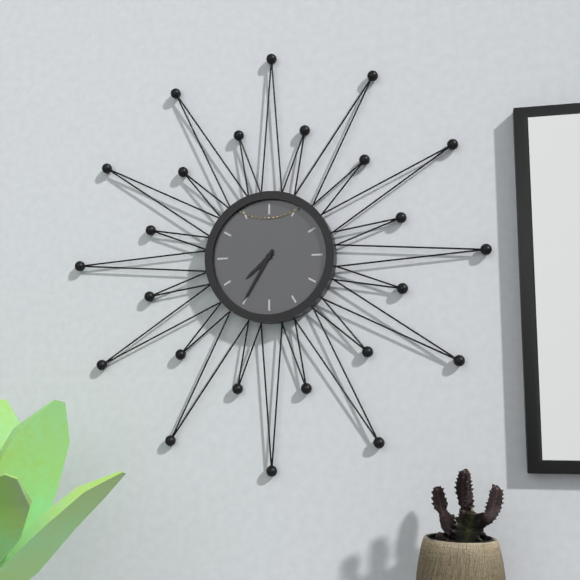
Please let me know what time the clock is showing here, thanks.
7:35
